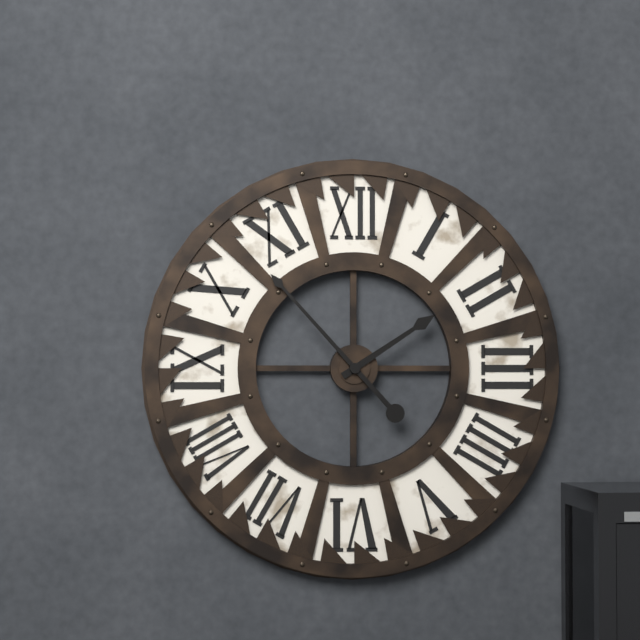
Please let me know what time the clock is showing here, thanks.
1:53
